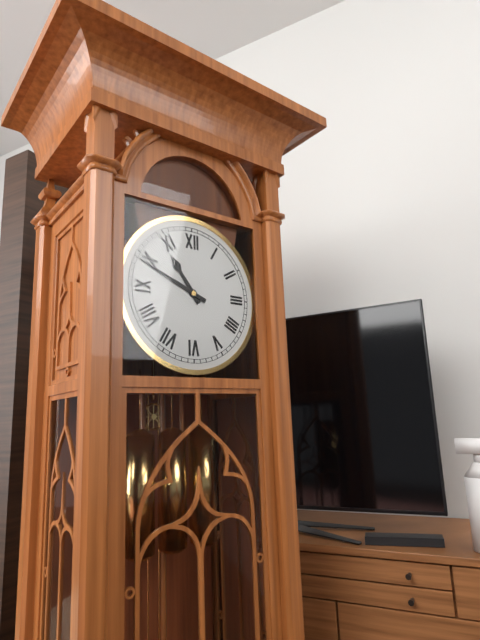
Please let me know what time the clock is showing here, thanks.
10:49
